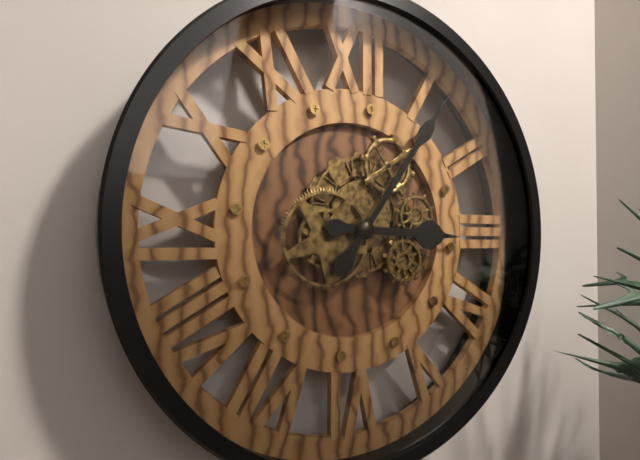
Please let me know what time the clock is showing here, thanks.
3:06
